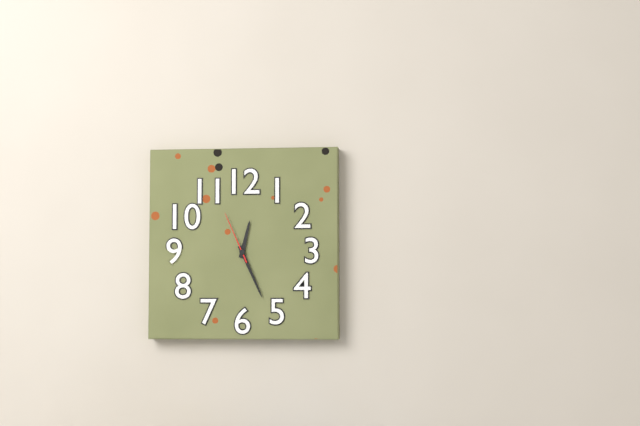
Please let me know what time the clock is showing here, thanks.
12:26:56
